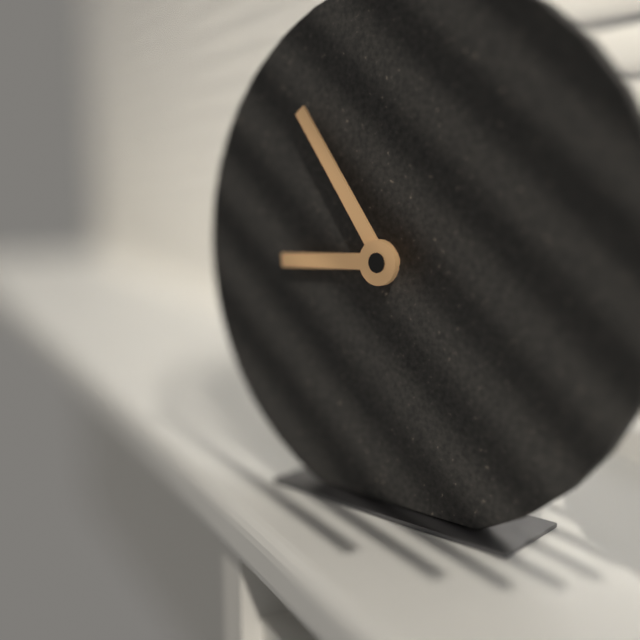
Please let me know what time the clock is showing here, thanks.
8:54
